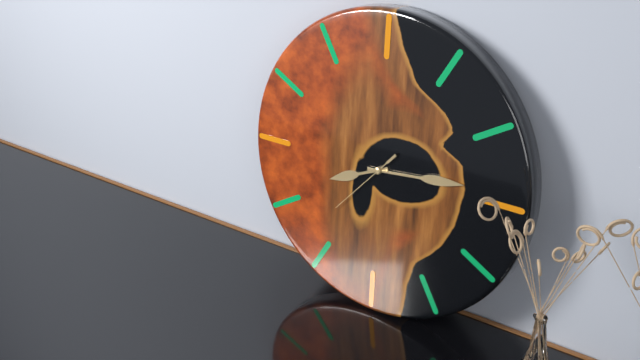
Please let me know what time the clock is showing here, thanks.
8:14:37
